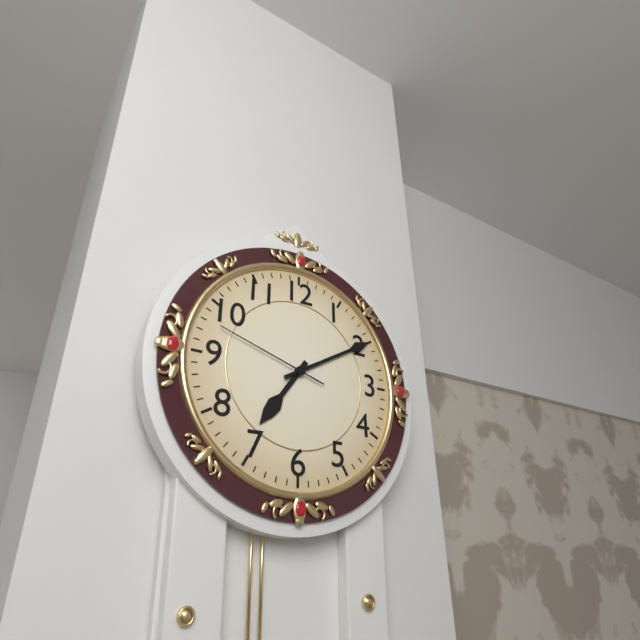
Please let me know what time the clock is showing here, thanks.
7:10:48
